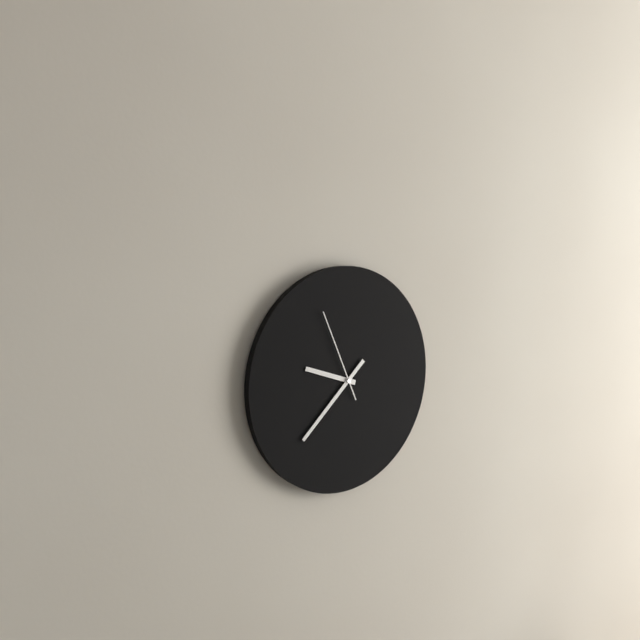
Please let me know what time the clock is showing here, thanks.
9:38:56
